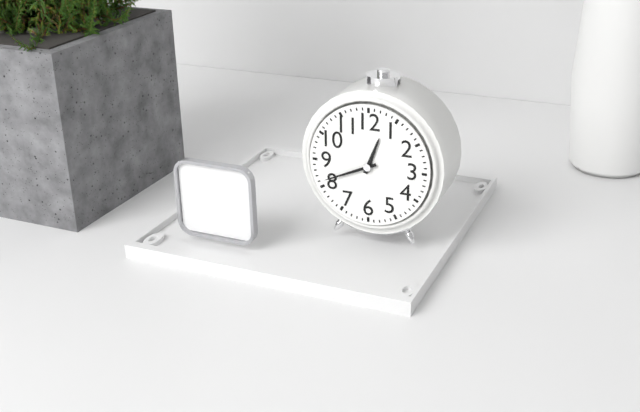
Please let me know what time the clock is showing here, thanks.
12:41
